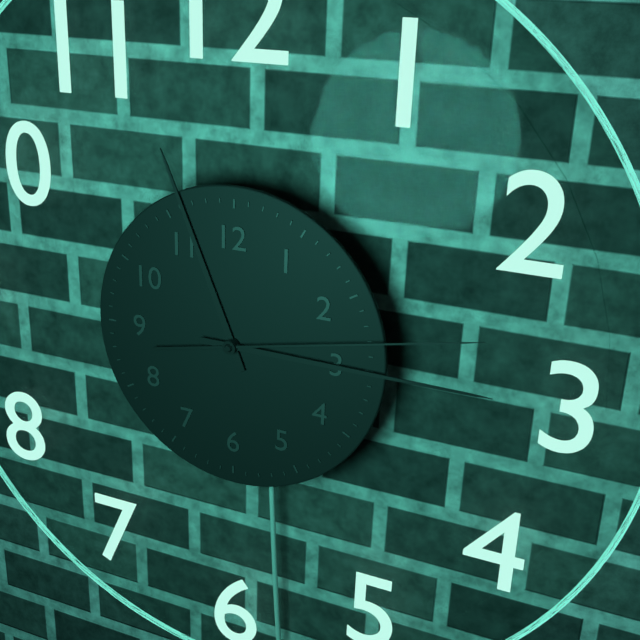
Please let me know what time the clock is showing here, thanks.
11:15:13
